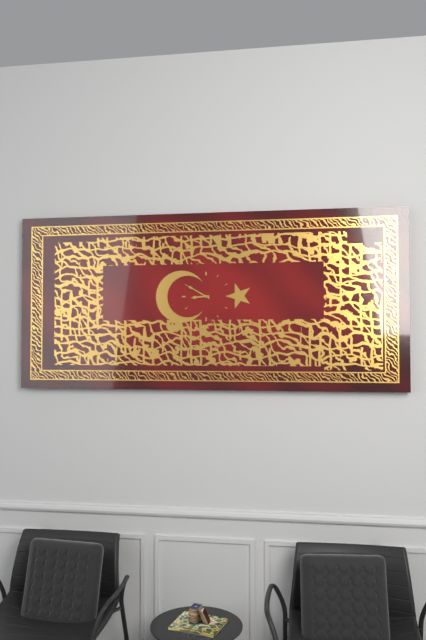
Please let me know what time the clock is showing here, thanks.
8:50
